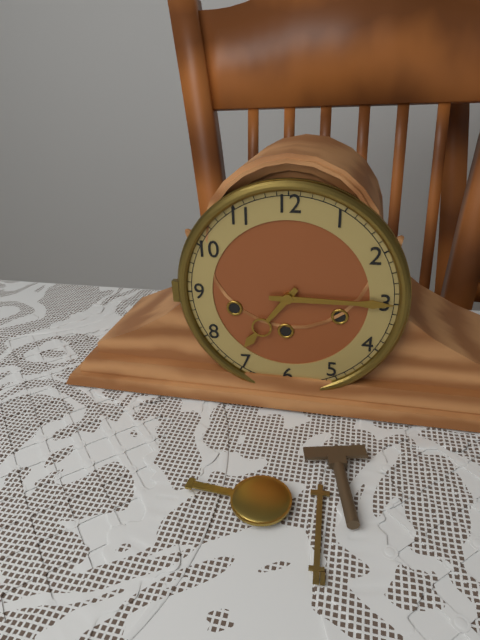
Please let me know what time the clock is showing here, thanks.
7:15
